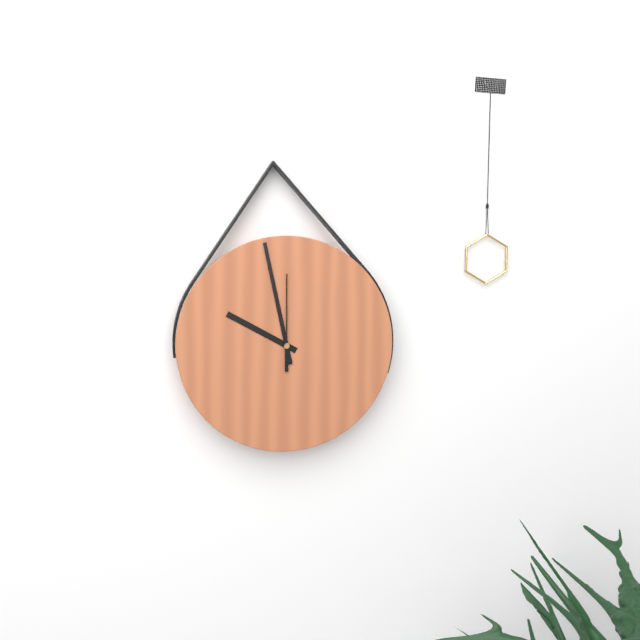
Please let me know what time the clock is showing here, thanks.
9:58:00
